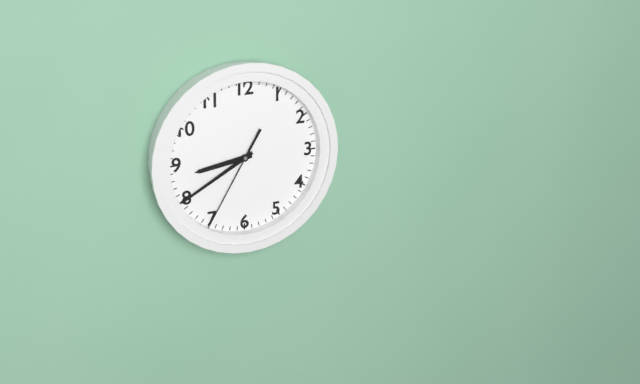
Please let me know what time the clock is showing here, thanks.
8:40:35
